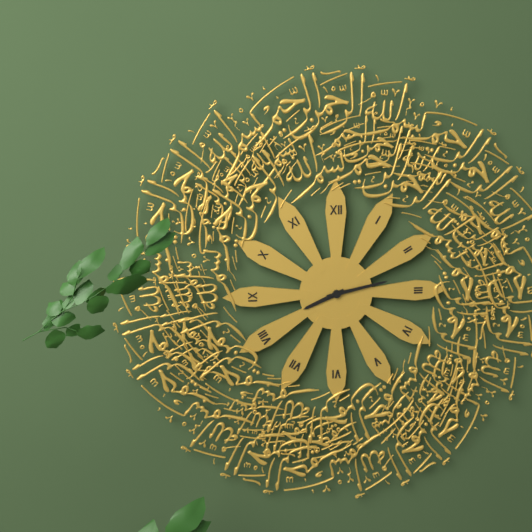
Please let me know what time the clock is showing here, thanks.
8:13
